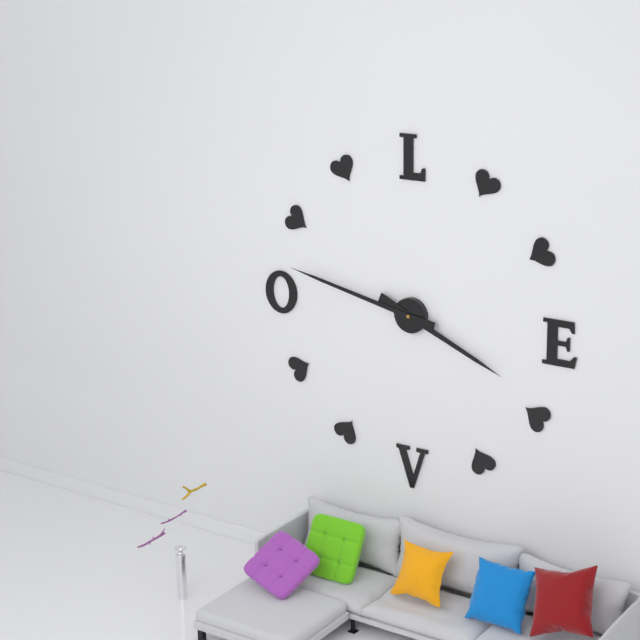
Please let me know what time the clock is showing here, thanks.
3:47
